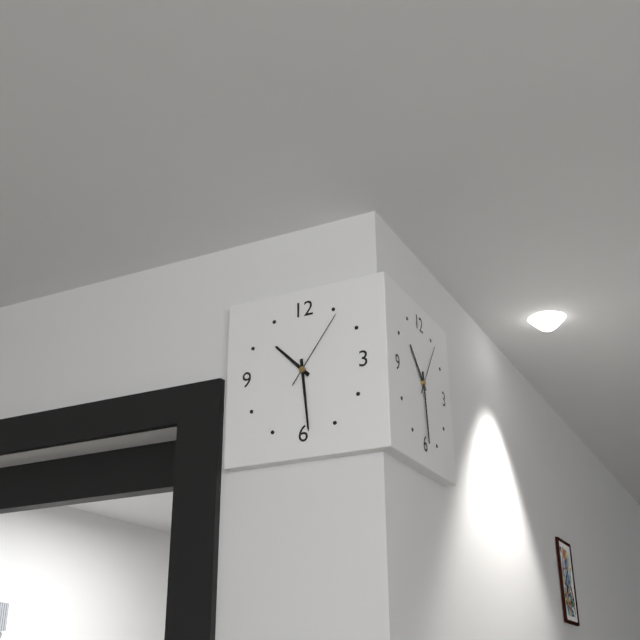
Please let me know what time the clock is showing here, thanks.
10:29:06
